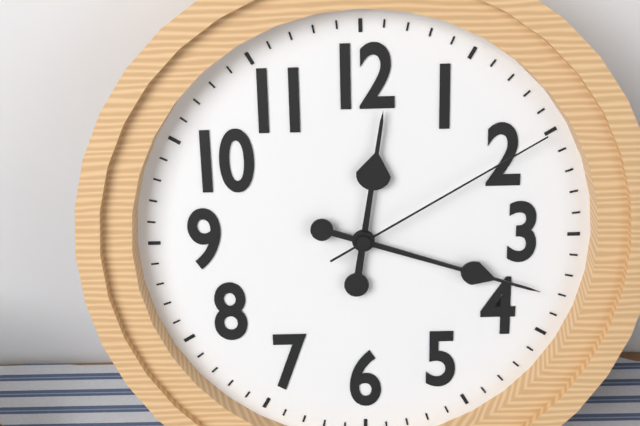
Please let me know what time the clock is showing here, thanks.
12:18:10
